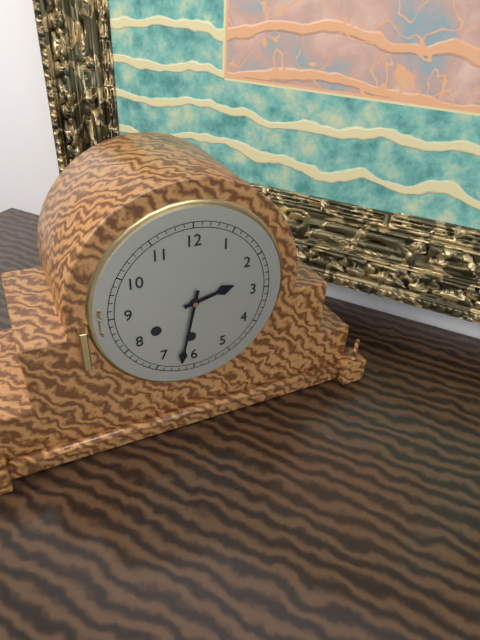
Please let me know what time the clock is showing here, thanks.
2:32
